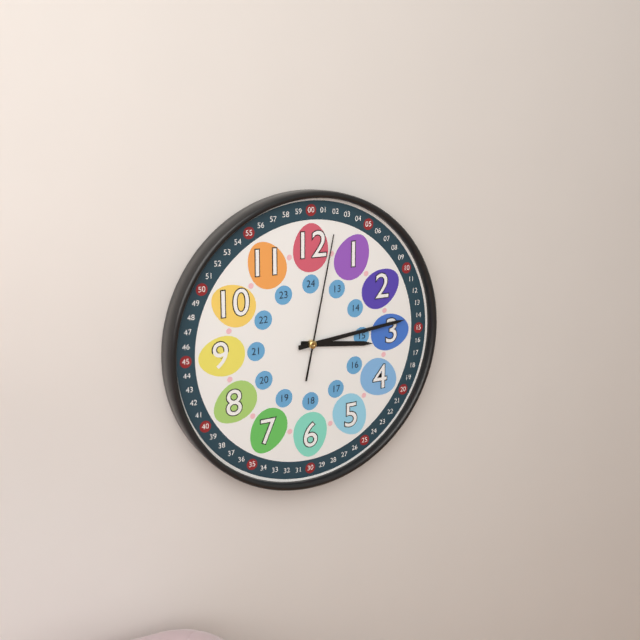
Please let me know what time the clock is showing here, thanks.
3:14:02
